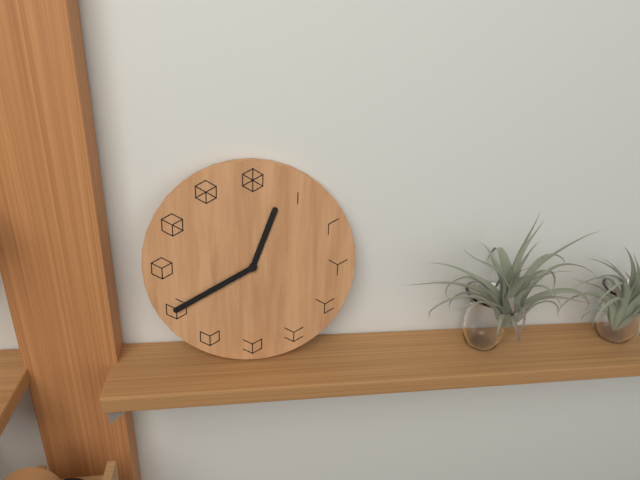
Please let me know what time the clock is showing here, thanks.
12:40
